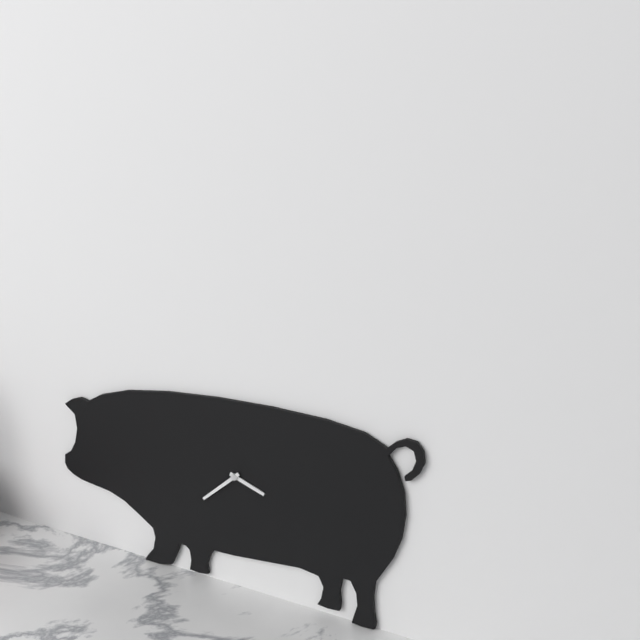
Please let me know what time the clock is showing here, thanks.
3:38
